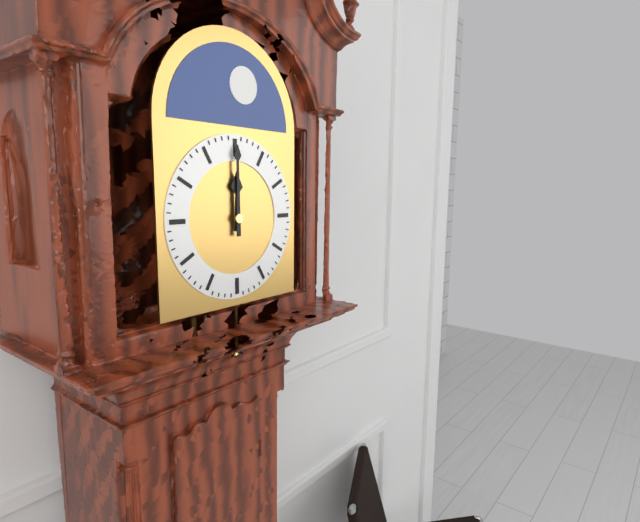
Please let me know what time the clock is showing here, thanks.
12:00
